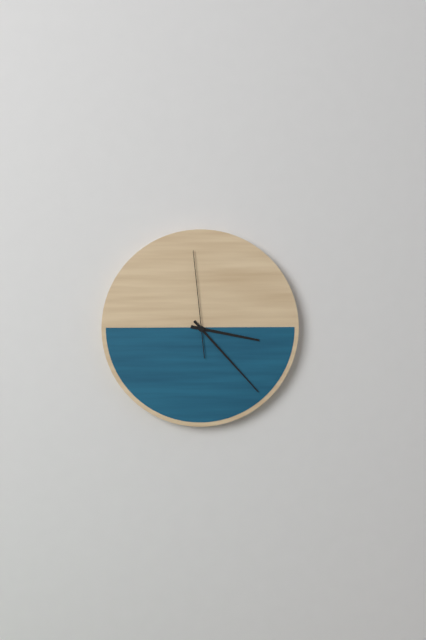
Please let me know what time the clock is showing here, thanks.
3:23:59
